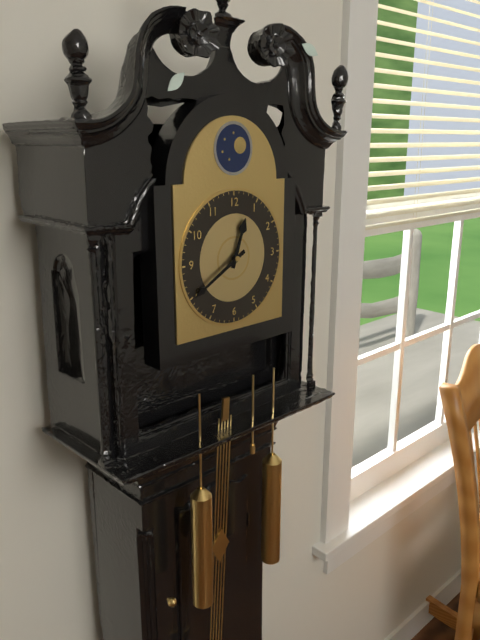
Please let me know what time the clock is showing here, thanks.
12:40
